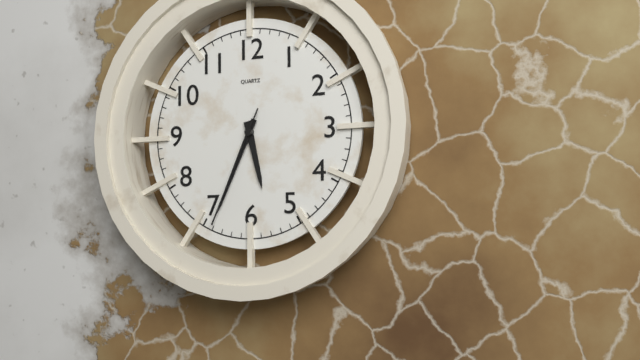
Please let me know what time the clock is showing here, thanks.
5:34:34
